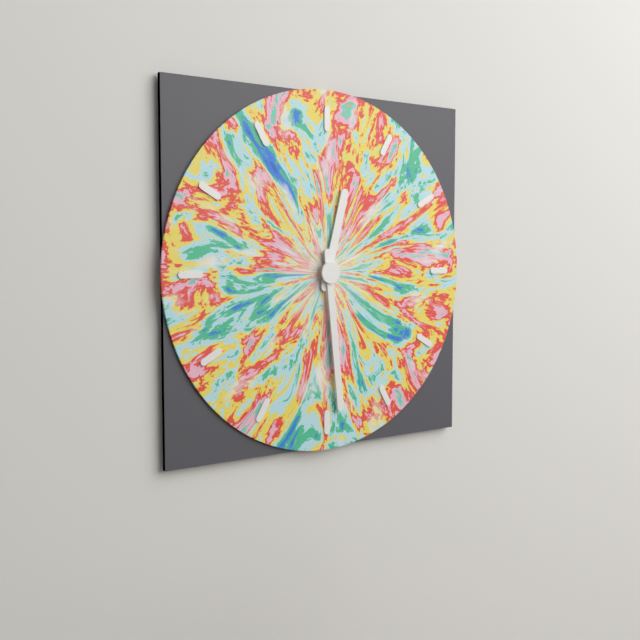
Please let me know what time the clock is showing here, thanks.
12:29
